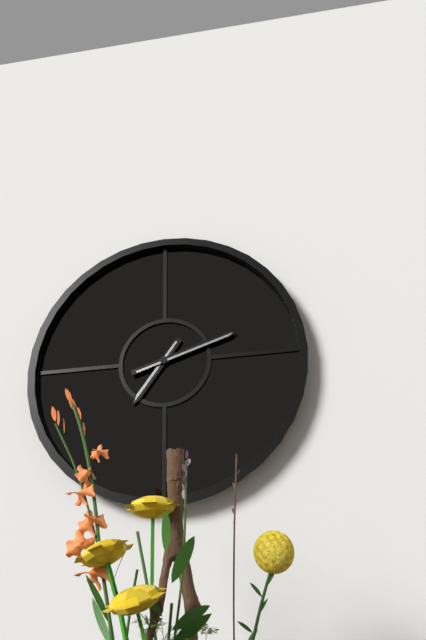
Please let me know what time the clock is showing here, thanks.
7:12
